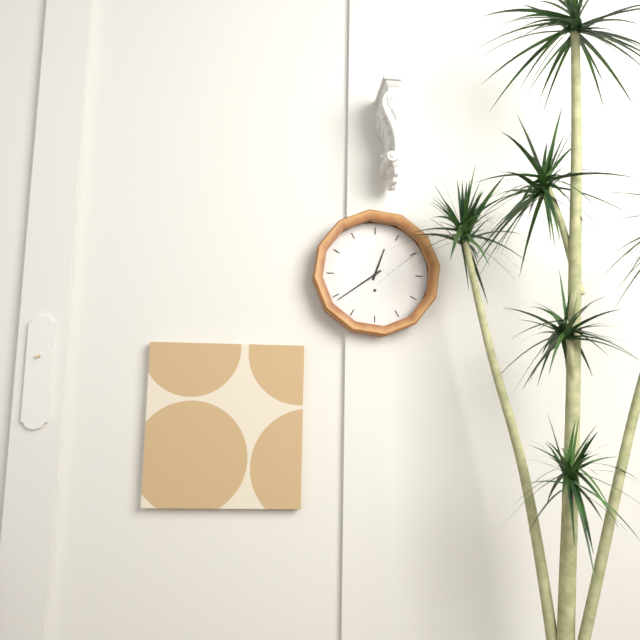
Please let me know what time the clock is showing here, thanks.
12:39
